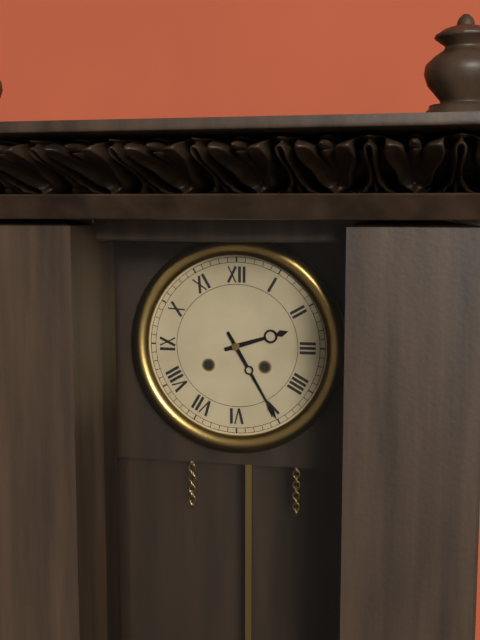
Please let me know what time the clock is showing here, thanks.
2:25
